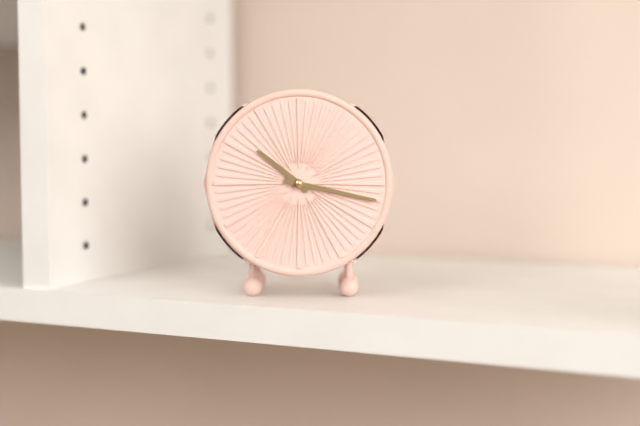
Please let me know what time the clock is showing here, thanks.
10:17
